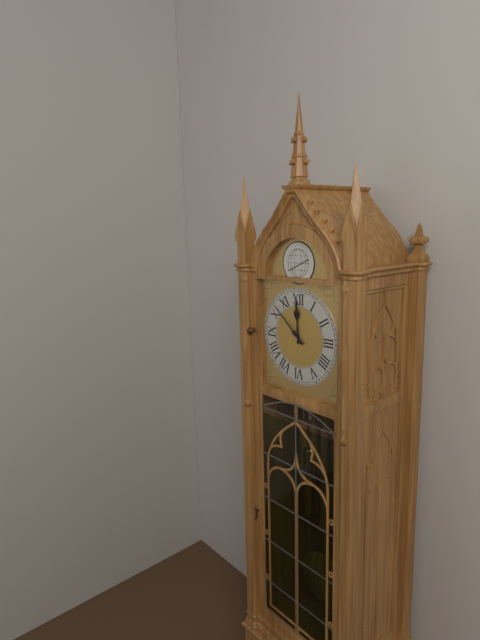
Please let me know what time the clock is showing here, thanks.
11:52
